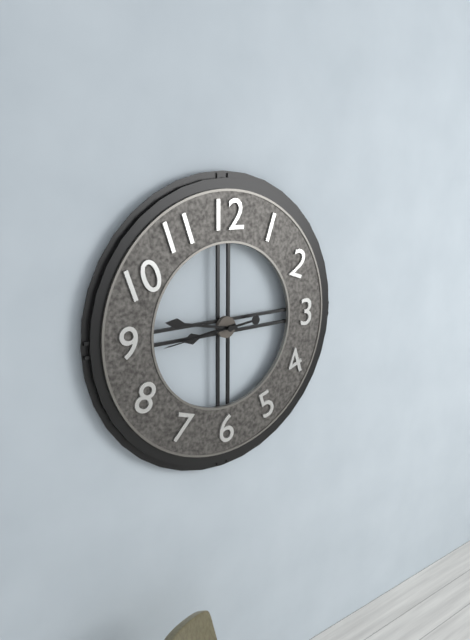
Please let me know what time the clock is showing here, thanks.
8:47:44
